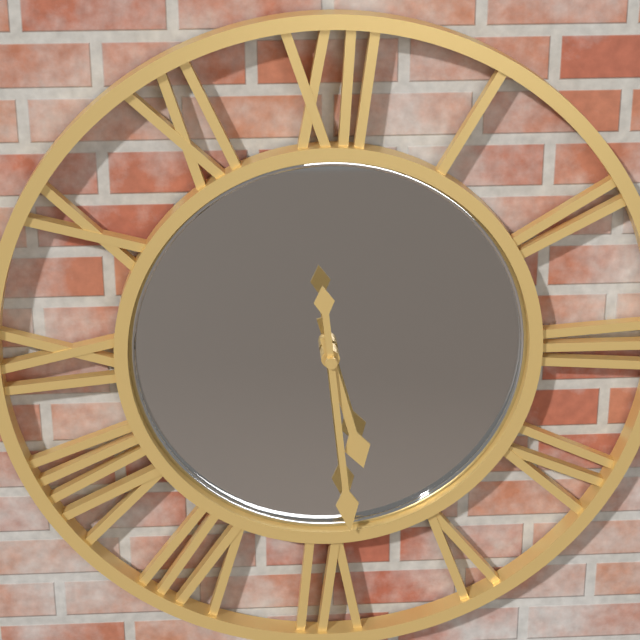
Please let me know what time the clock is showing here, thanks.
5:29
